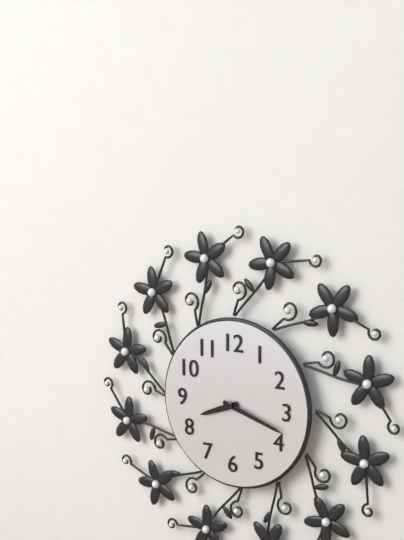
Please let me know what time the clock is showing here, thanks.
8:18
